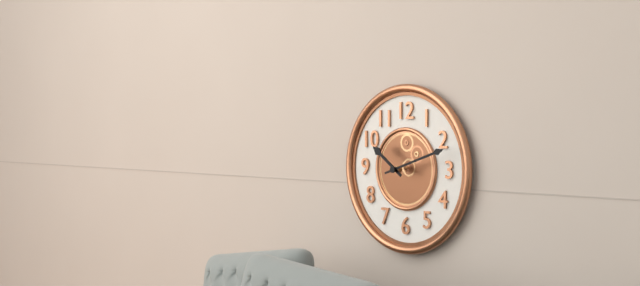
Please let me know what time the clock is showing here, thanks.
10:12
